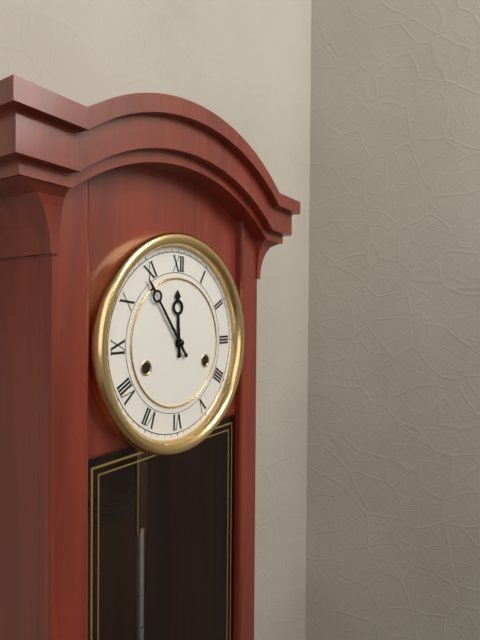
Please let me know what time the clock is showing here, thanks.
11:54
